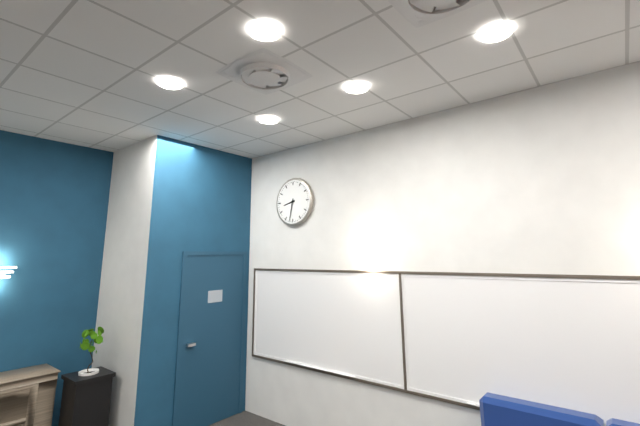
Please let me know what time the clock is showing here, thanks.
8:32
